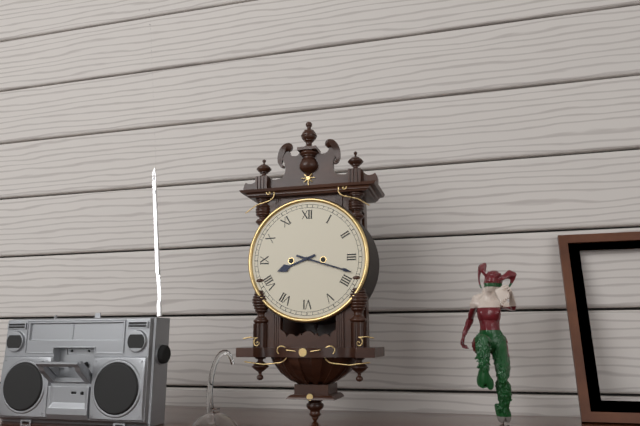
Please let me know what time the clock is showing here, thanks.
8:18
